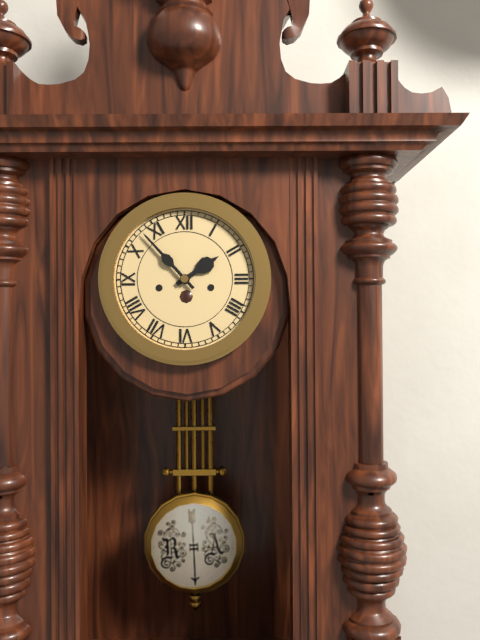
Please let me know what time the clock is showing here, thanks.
1:53
